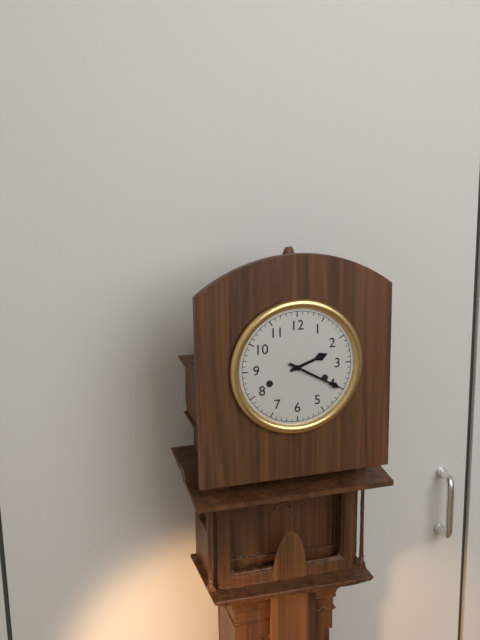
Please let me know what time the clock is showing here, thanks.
2:20
